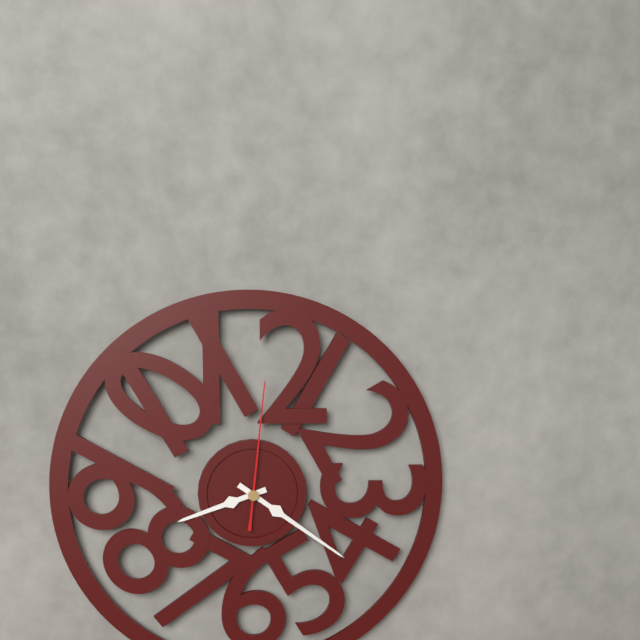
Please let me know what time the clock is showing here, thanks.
8:21:01
